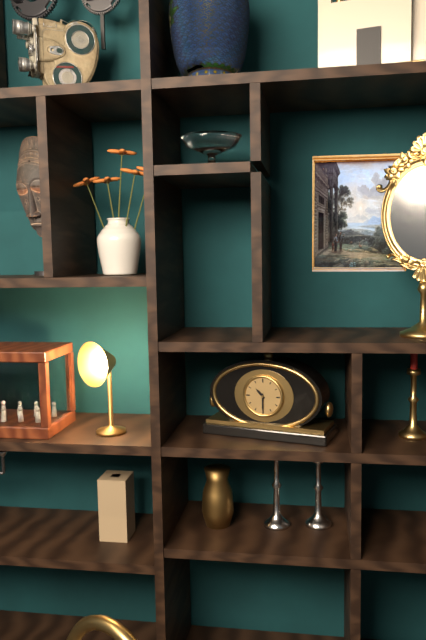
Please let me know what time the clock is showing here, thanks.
10:30
